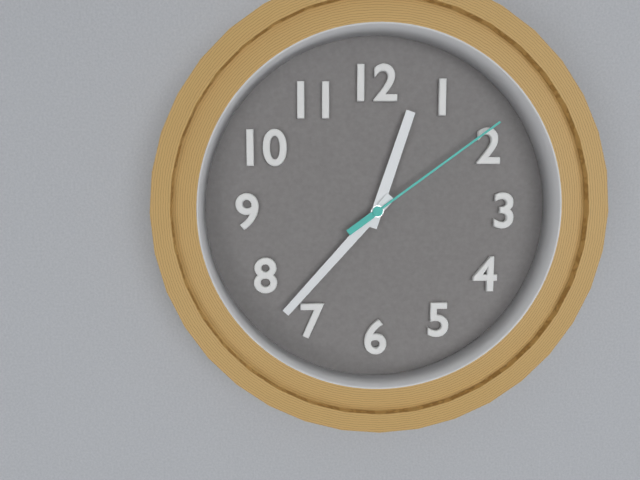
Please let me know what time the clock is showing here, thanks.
12:37:09
